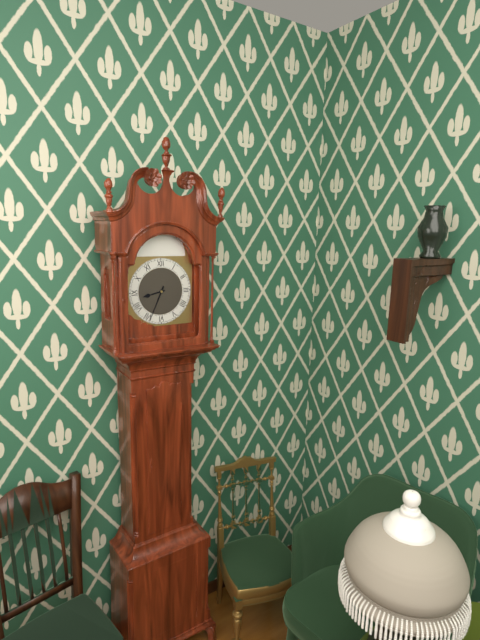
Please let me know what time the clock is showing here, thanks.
8:34
